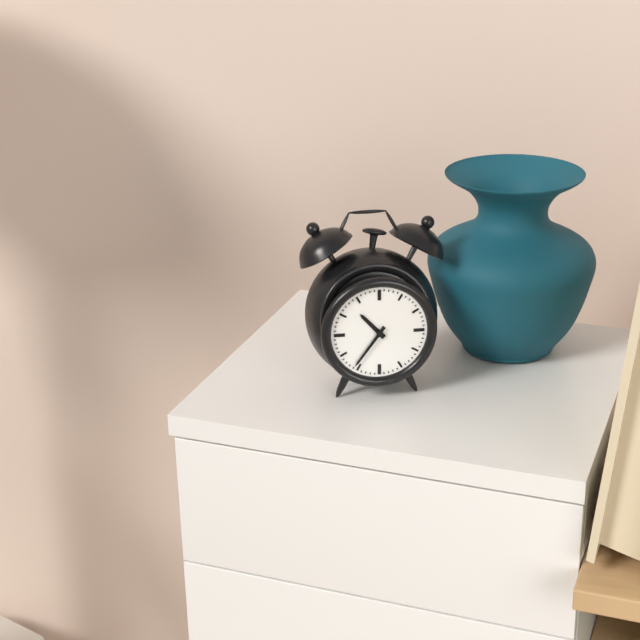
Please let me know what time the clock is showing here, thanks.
10:36
